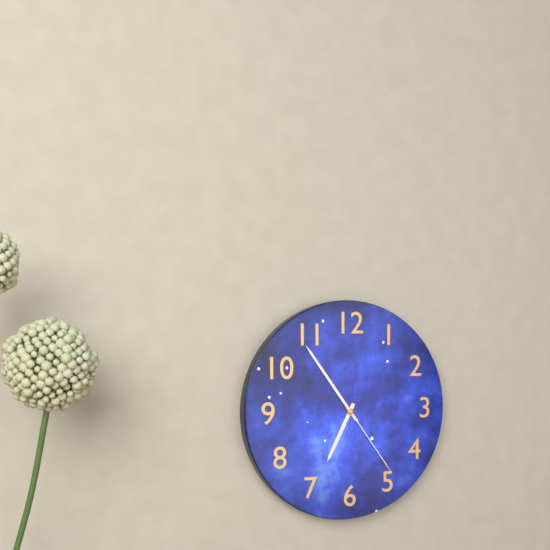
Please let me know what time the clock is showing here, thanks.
6:54:24
